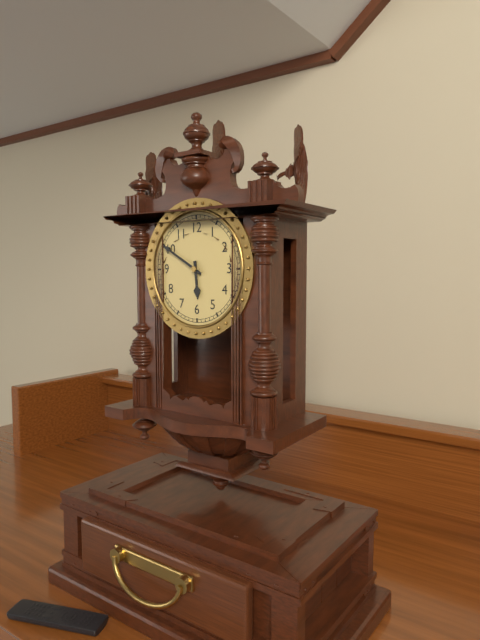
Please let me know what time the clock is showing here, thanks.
5:50
